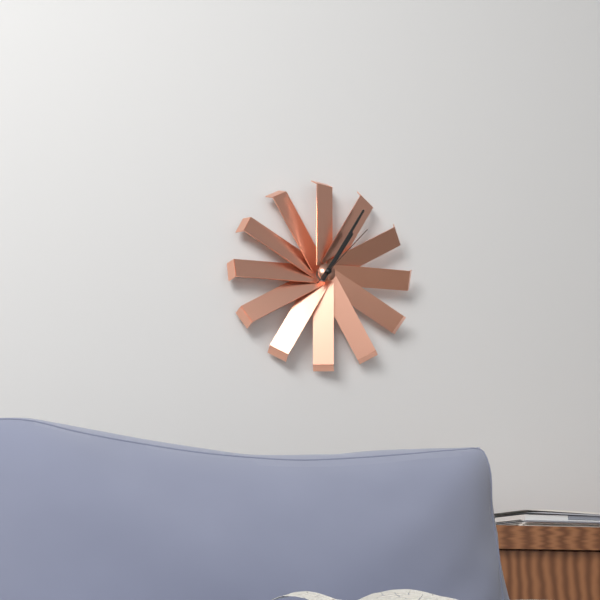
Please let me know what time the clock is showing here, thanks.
1:05:07
